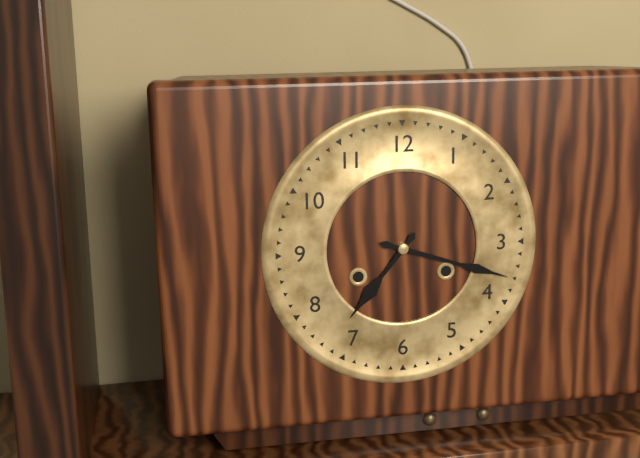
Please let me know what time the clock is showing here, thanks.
7:18
